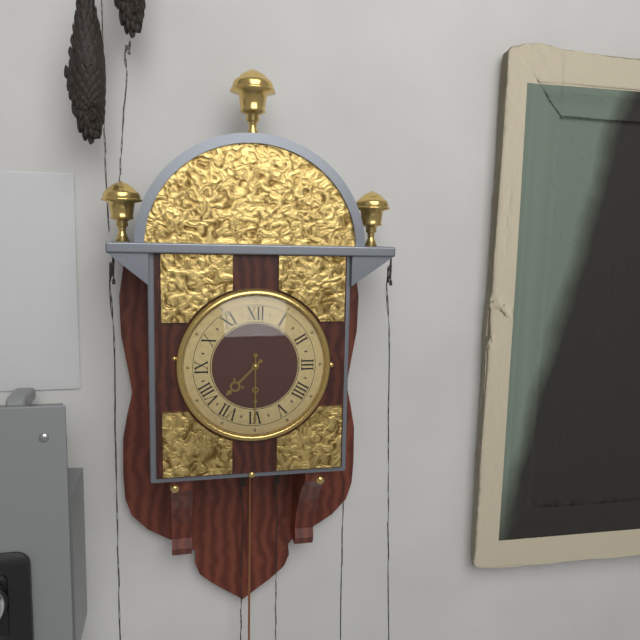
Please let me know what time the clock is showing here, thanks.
7:30
